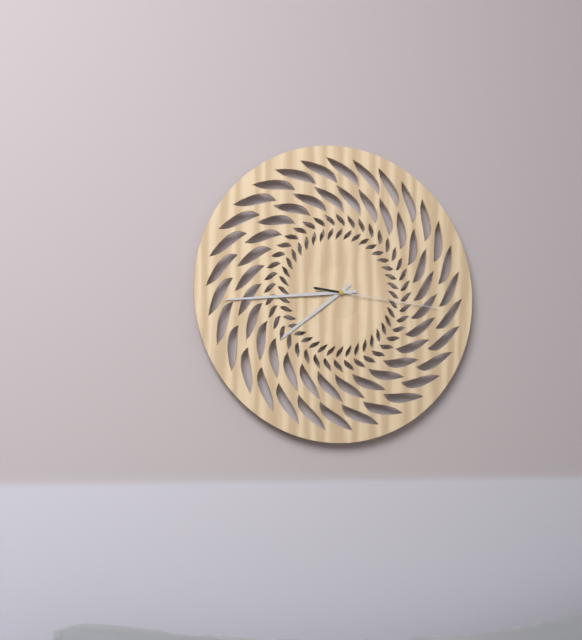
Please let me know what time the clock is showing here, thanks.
7:44:16
